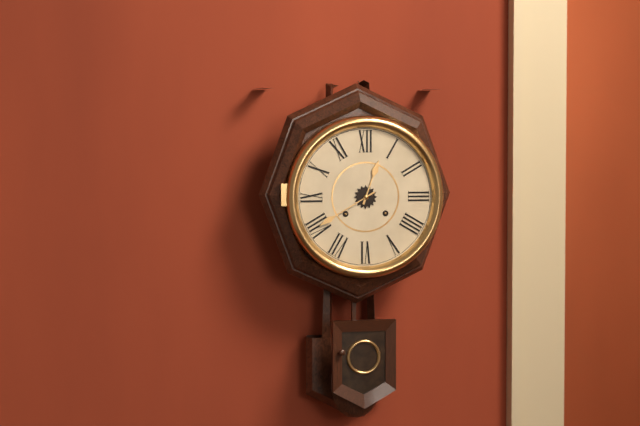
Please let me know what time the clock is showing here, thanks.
12:40
